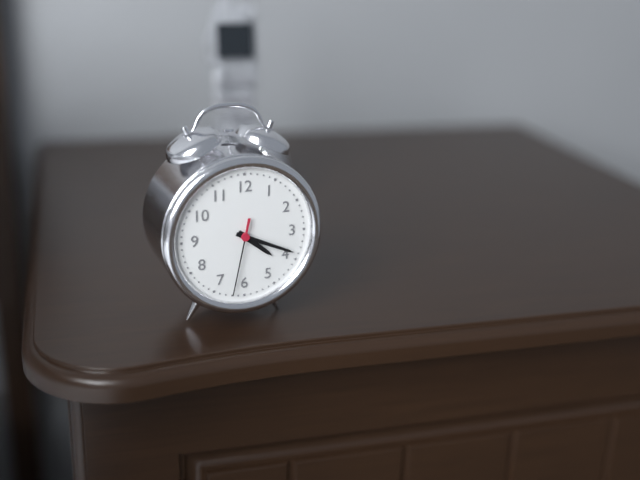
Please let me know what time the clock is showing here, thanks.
4:19:32
